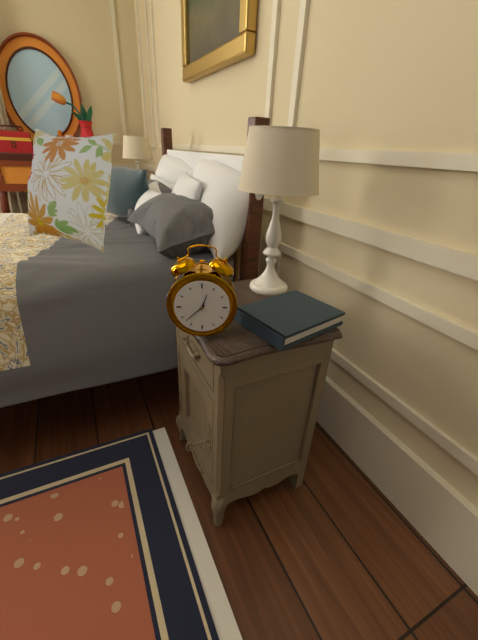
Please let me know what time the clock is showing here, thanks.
12:38
